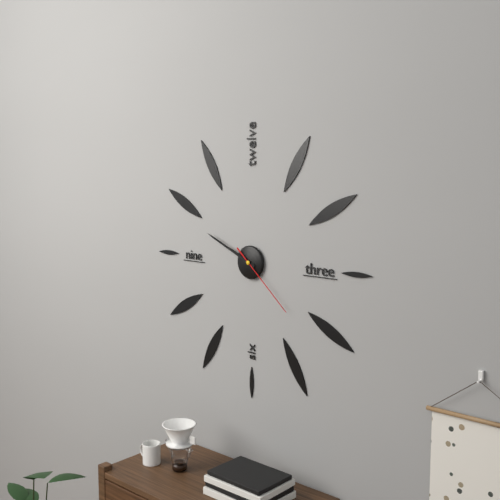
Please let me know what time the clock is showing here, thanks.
9:49:22
